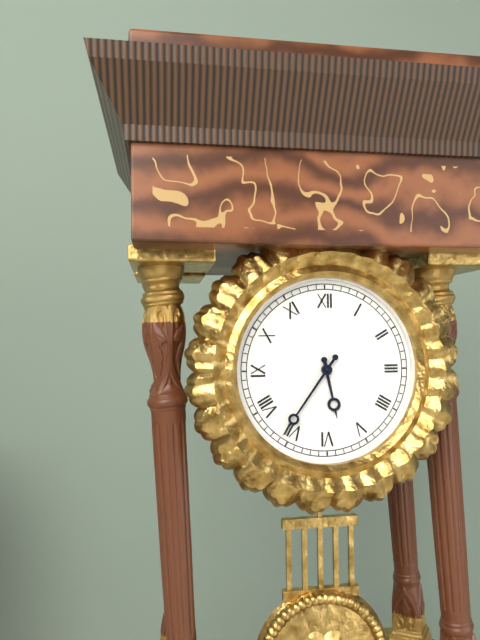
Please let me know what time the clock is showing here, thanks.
5:36
